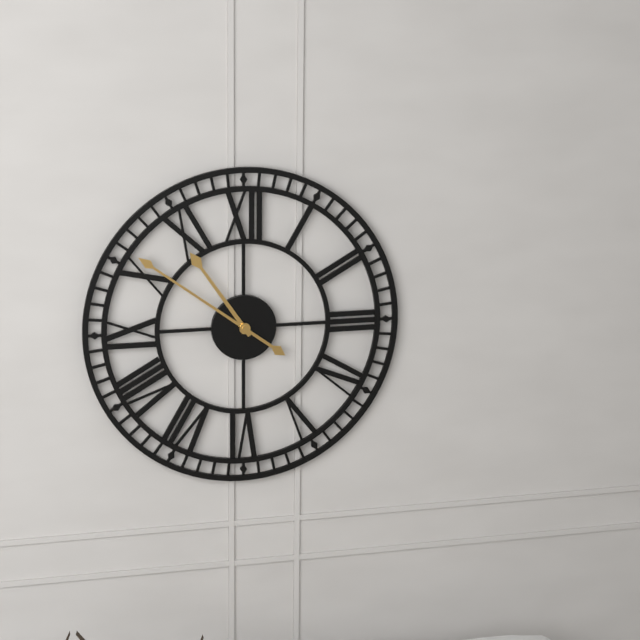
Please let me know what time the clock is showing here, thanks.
10:51
